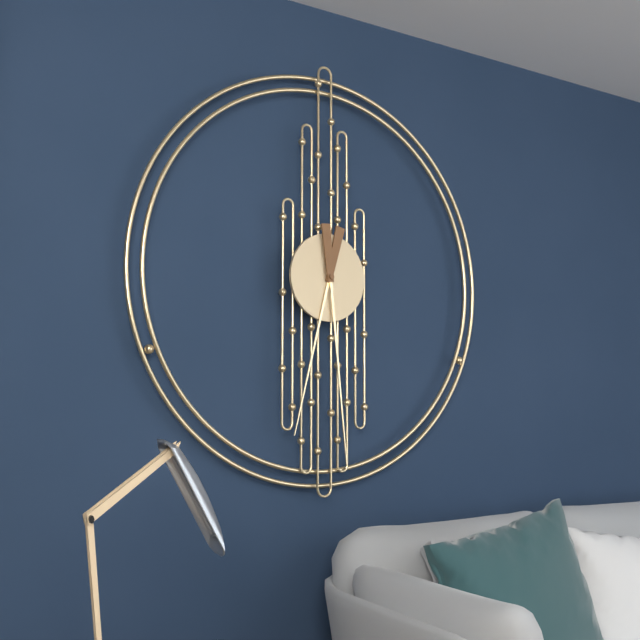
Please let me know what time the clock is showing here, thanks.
6:29
